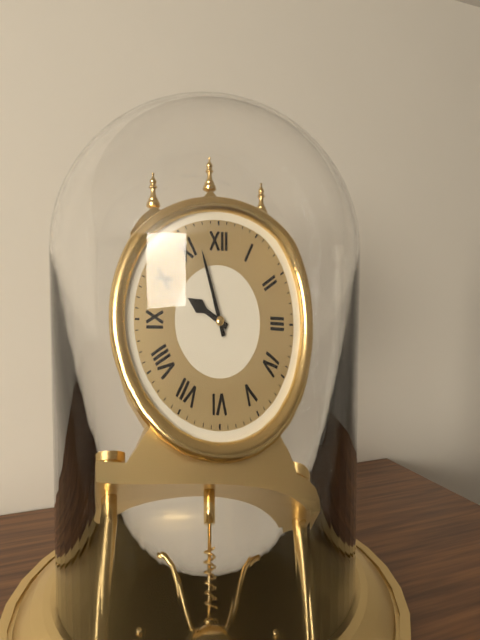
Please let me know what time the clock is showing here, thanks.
9:57
